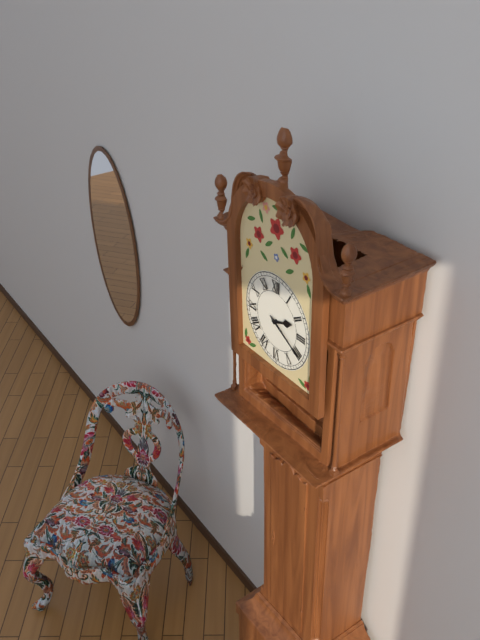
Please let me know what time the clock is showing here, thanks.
2:20
